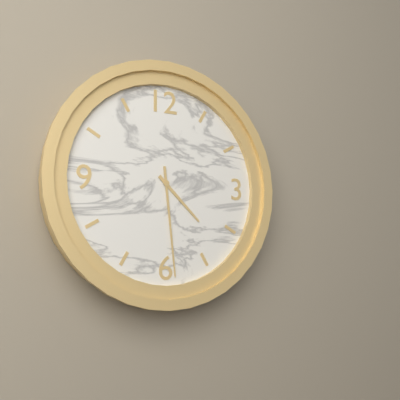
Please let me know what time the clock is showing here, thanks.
4:29
